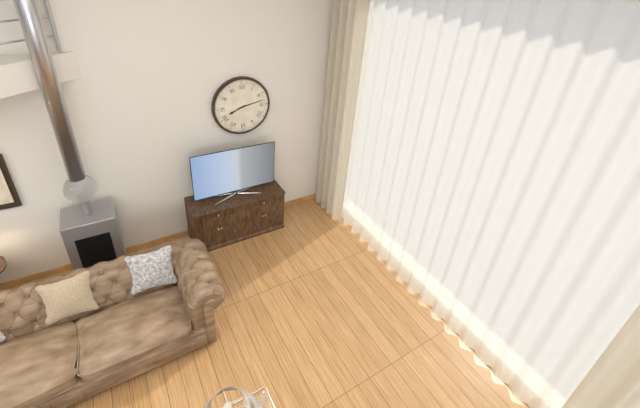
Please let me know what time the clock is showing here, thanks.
8:13
